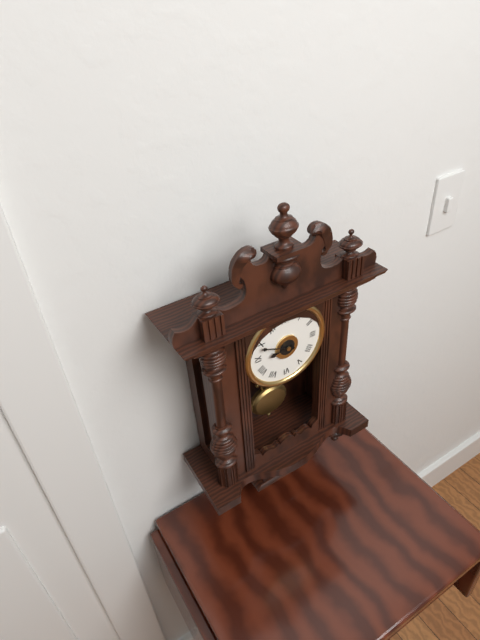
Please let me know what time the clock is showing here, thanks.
8:49
